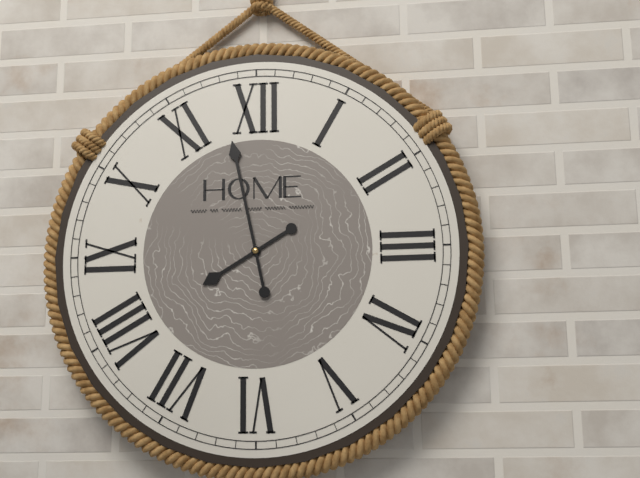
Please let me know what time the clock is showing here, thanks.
7:58
